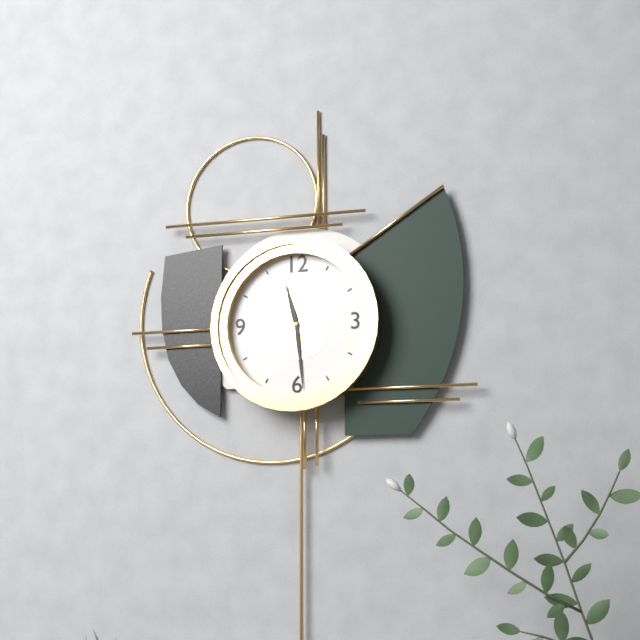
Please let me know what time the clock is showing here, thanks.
11:29
